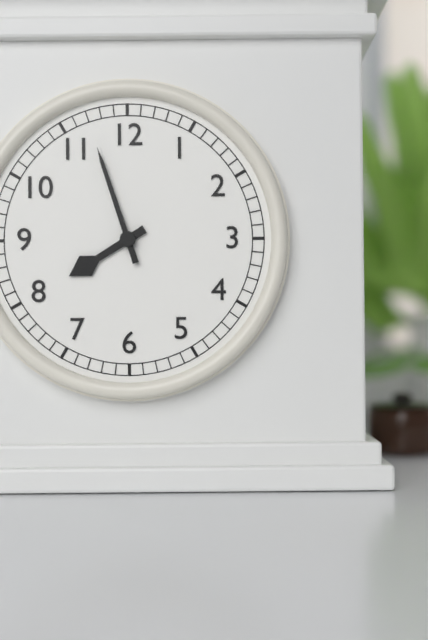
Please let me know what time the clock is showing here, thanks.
7:57
